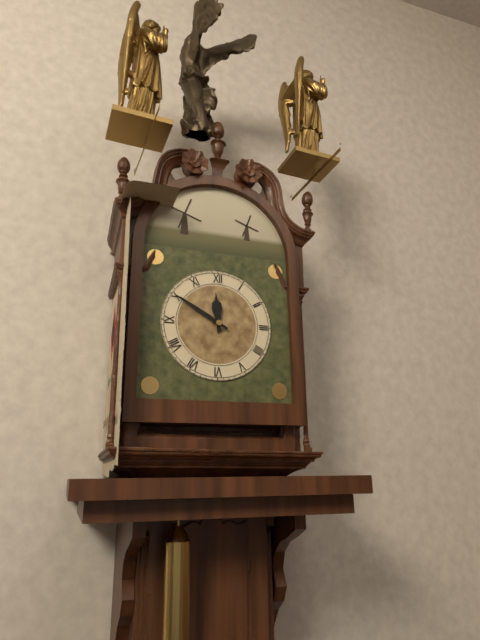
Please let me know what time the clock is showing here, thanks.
11:50
